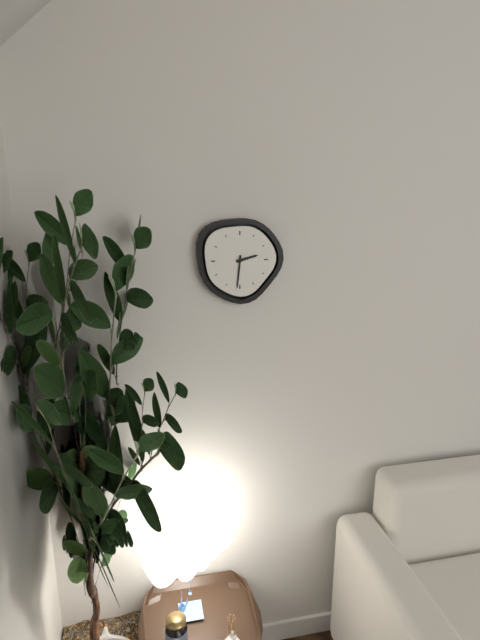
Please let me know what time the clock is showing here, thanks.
2:31
